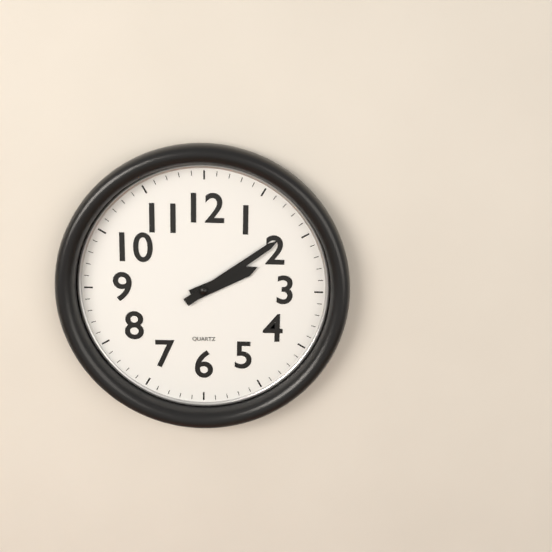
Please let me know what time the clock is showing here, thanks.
2:09
